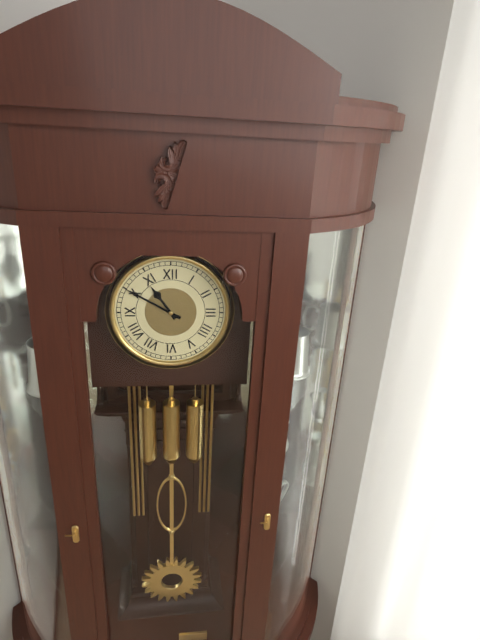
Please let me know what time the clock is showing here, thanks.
10:50
